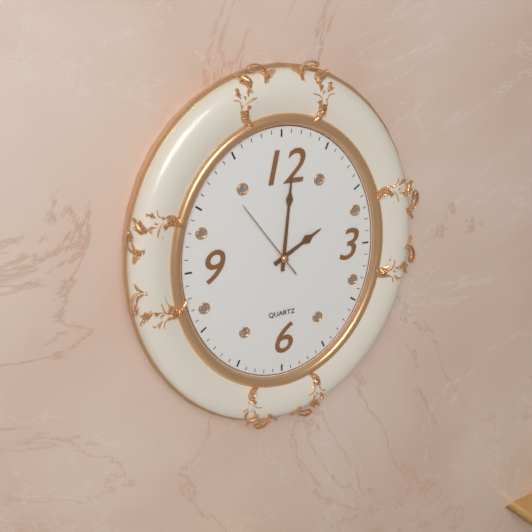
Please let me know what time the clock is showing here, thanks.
2:01:54
